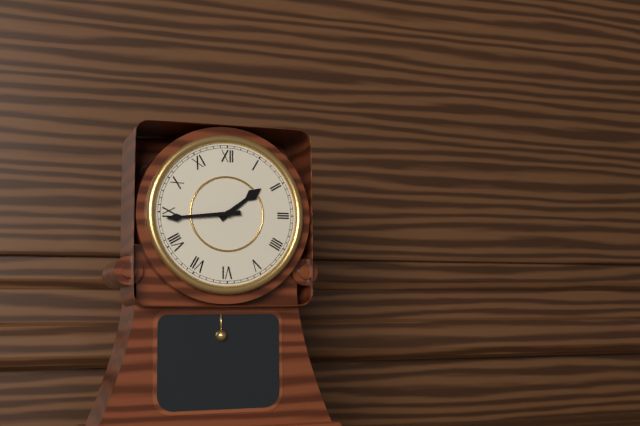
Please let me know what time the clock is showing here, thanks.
1:44
